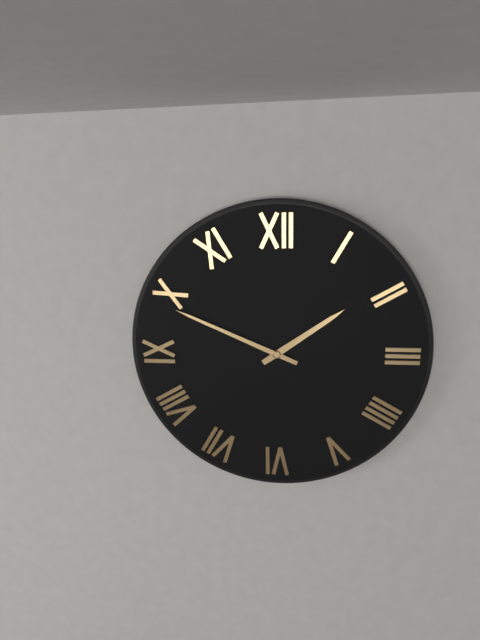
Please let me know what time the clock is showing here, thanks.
1:49
